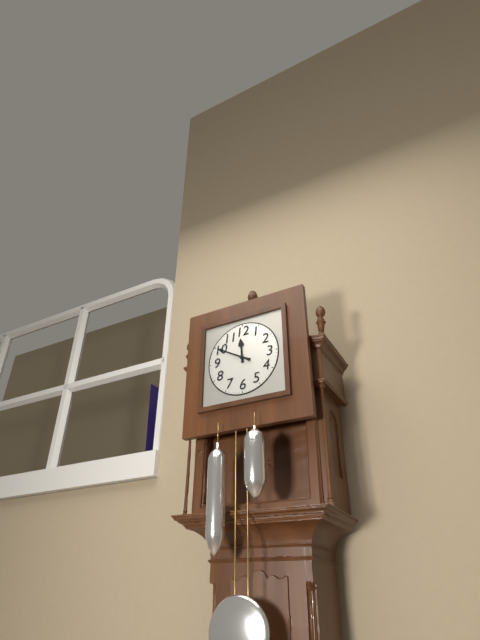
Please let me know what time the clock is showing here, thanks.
11:50
